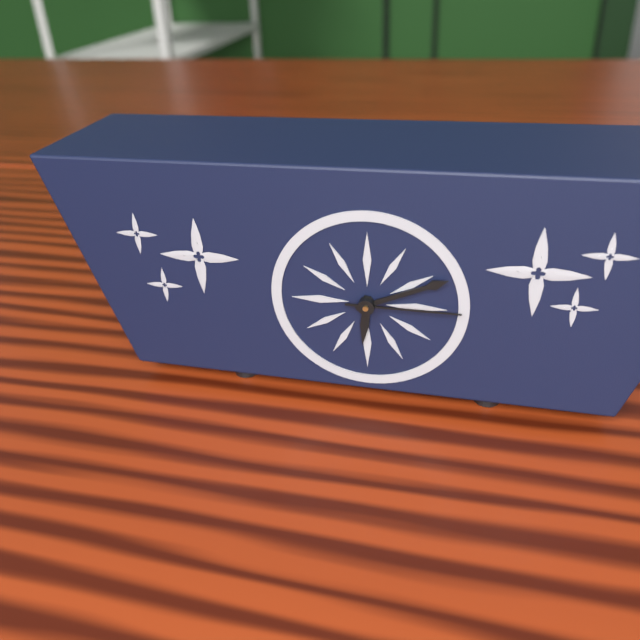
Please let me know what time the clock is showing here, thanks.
6:11:15
